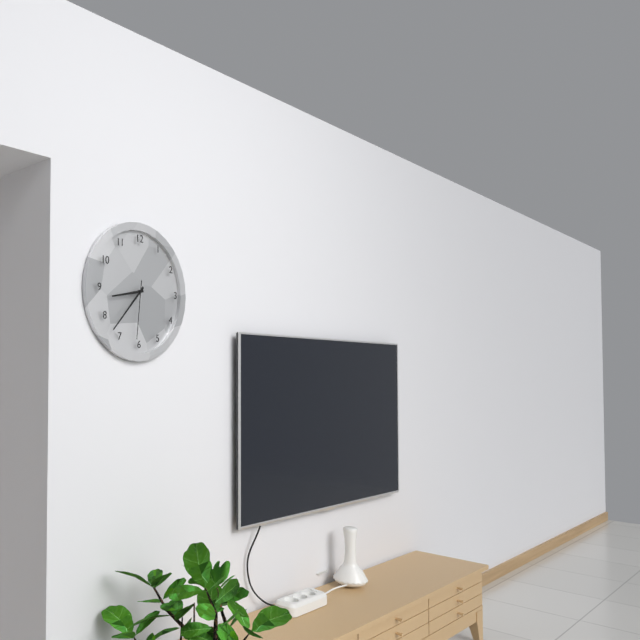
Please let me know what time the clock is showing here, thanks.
8:37:31
